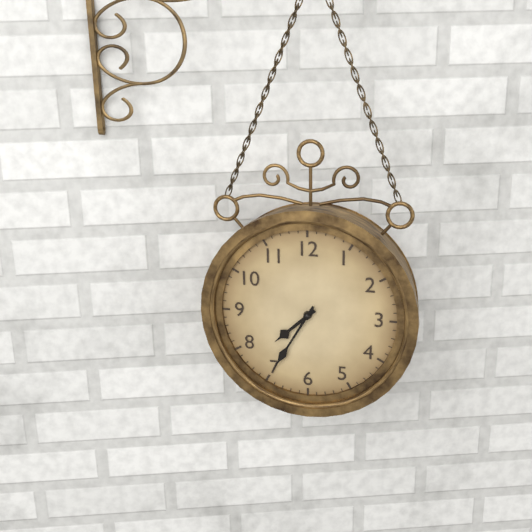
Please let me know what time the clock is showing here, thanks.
7:35
